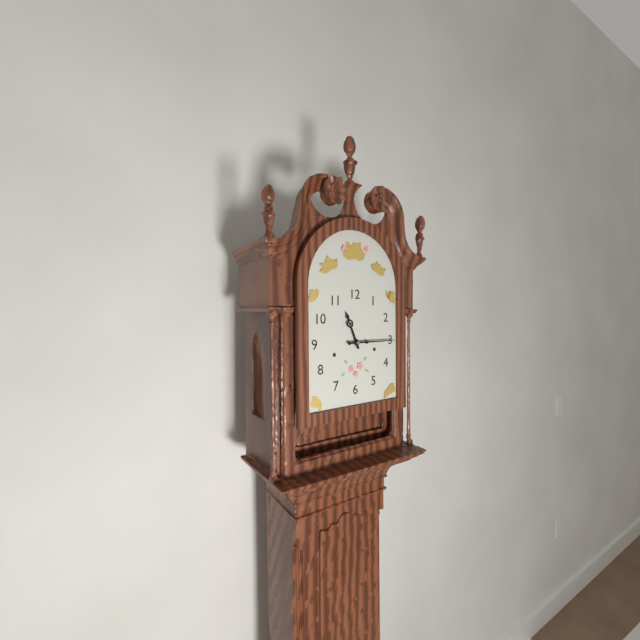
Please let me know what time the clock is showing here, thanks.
11:15
